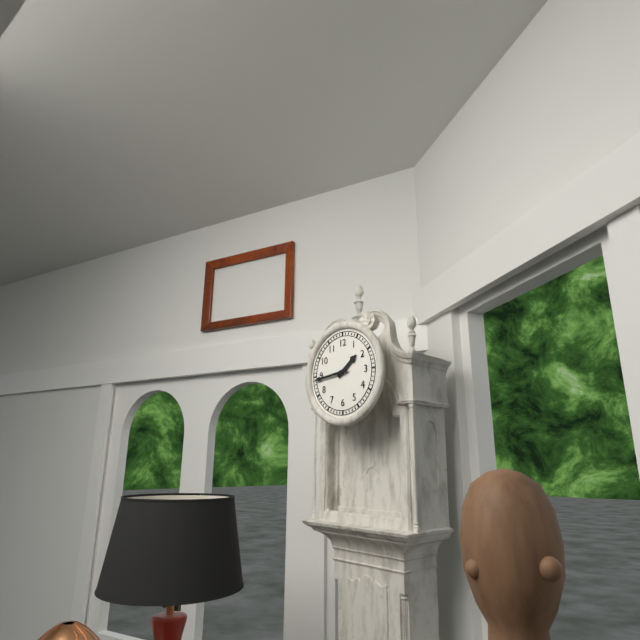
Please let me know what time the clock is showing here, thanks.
1:44
